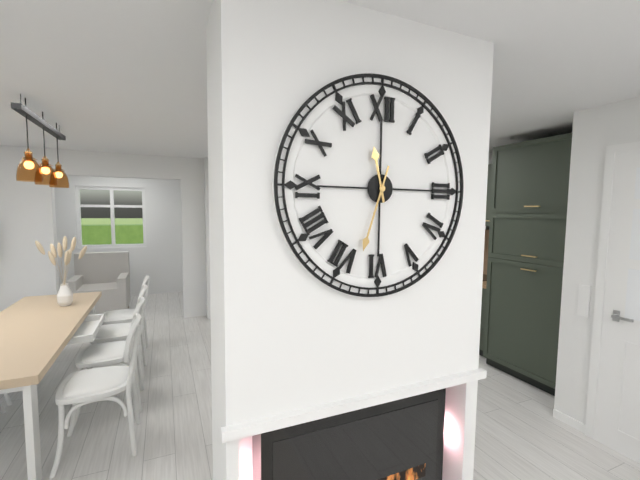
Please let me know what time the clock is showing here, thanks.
11:33
